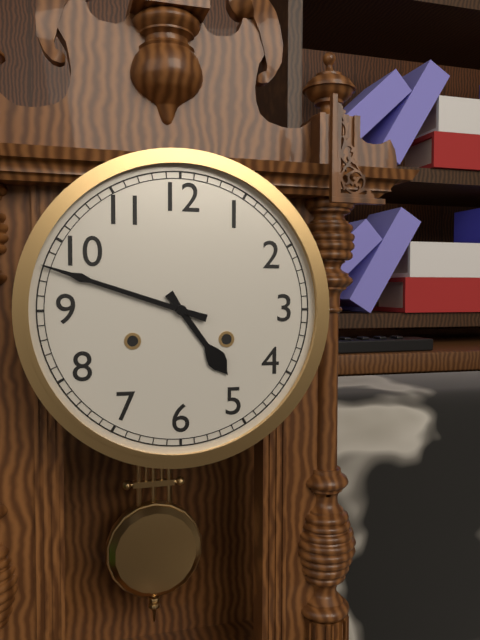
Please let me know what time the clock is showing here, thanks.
4:48
